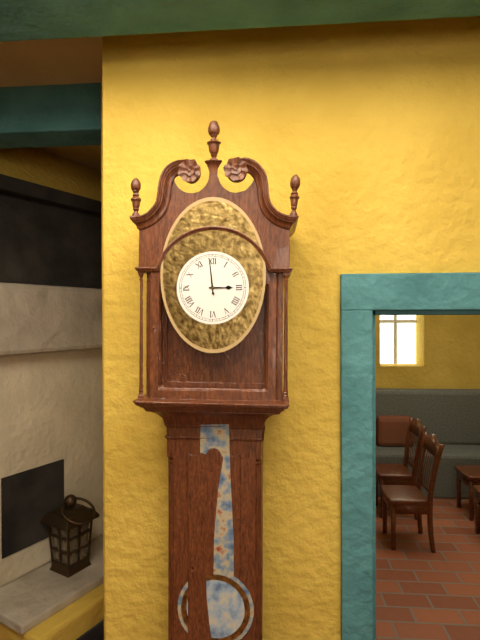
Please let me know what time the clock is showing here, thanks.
2:59
